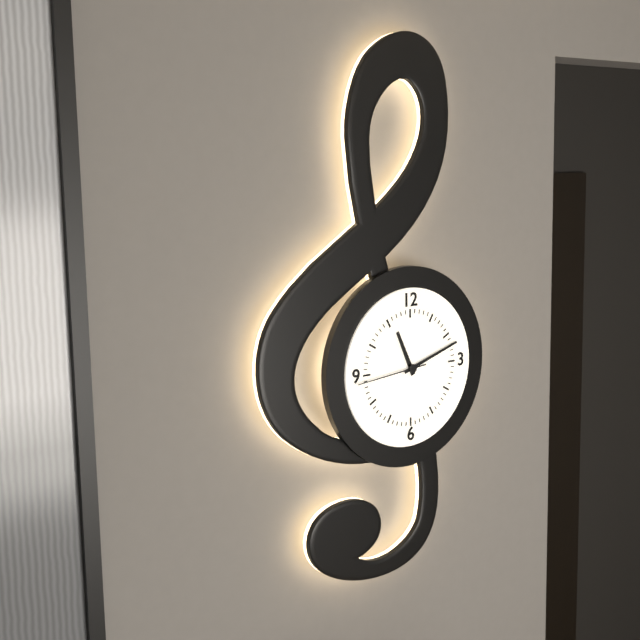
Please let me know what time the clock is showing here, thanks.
11:12:44
